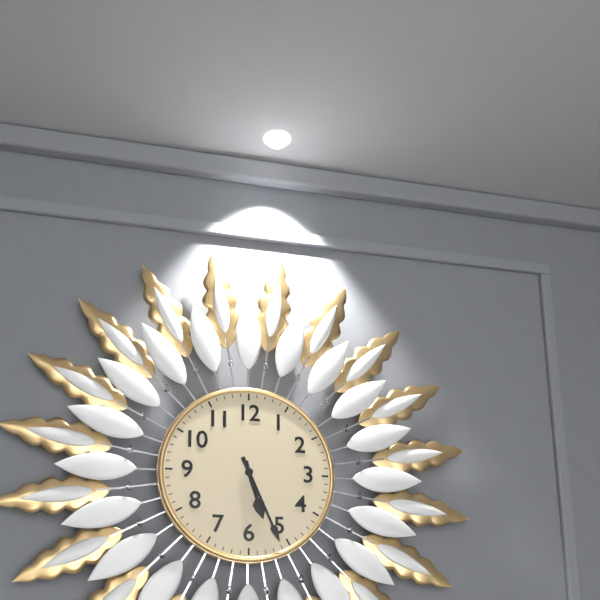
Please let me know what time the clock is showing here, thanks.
5:26
